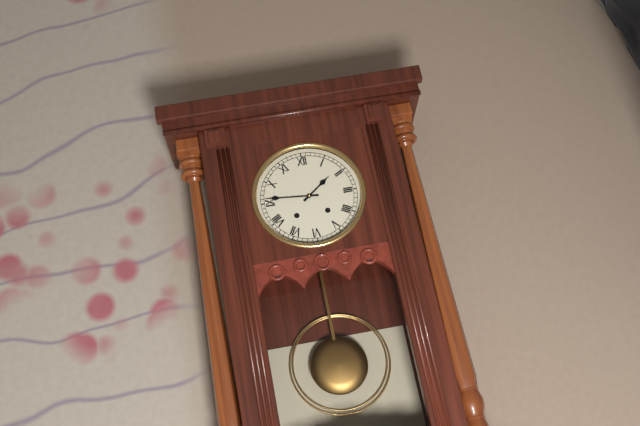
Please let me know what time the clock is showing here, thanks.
1:46
